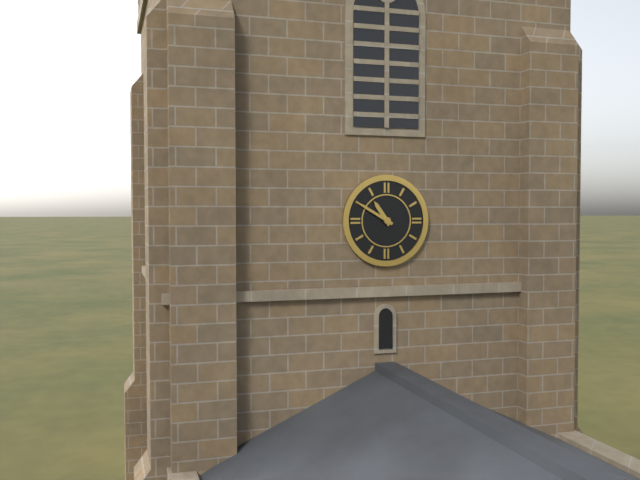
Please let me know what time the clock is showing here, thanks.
10:50
